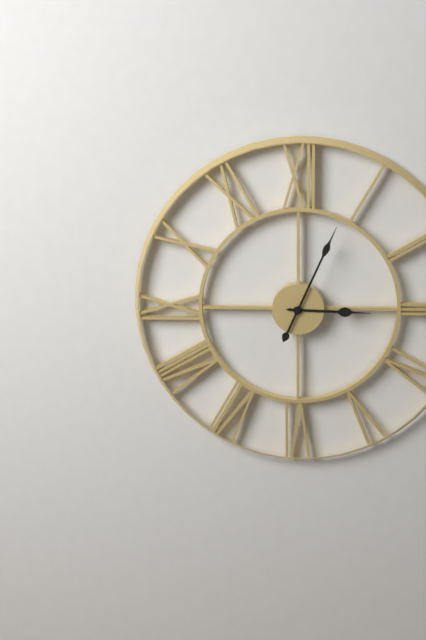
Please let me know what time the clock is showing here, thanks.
3:04
